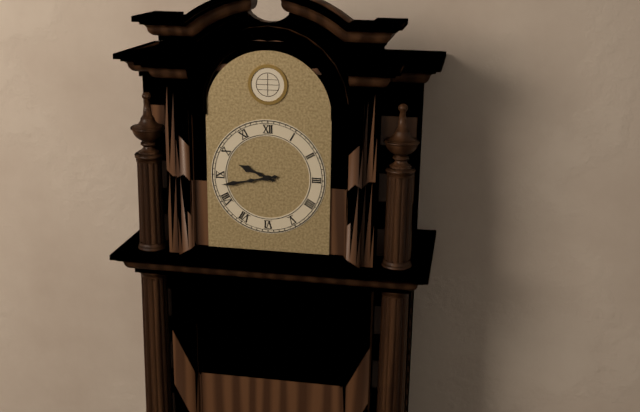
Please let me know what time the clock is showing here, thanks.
9:43
